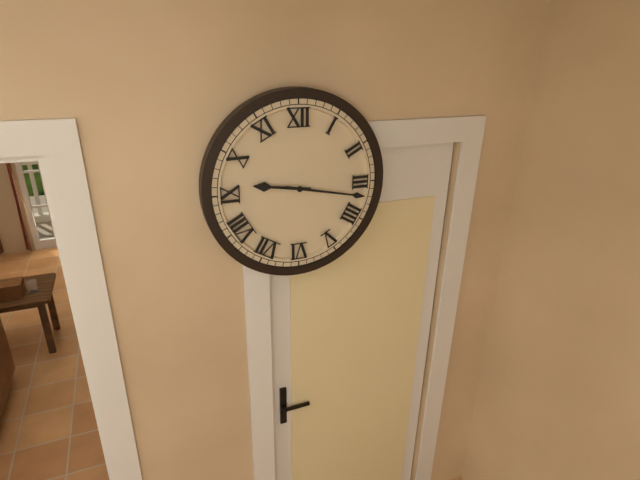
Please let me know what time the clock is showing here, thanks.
9:17
